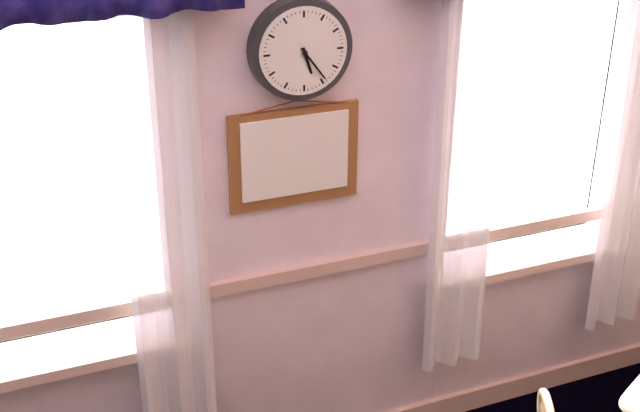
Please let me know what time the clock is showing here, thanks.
5:24
